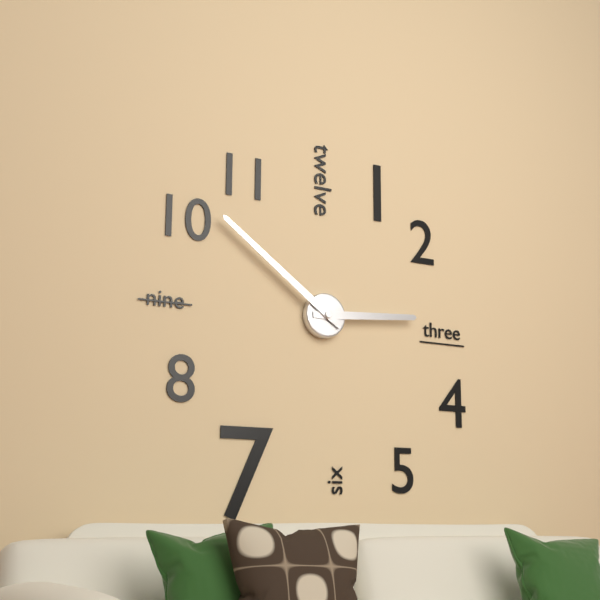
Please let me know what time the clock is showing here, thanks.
2:51
